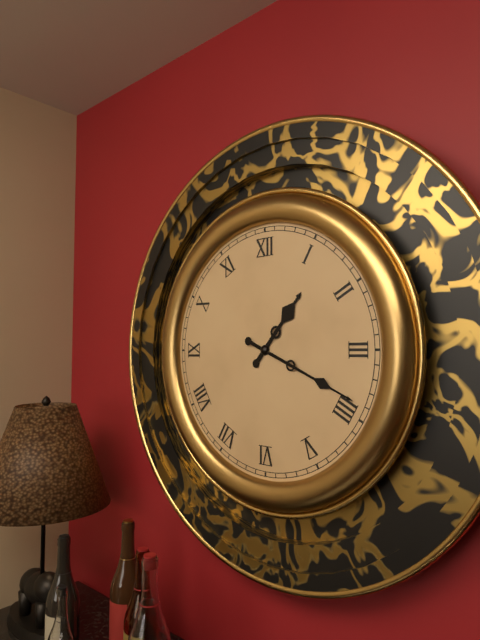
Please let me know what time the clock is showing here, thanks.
1:19
